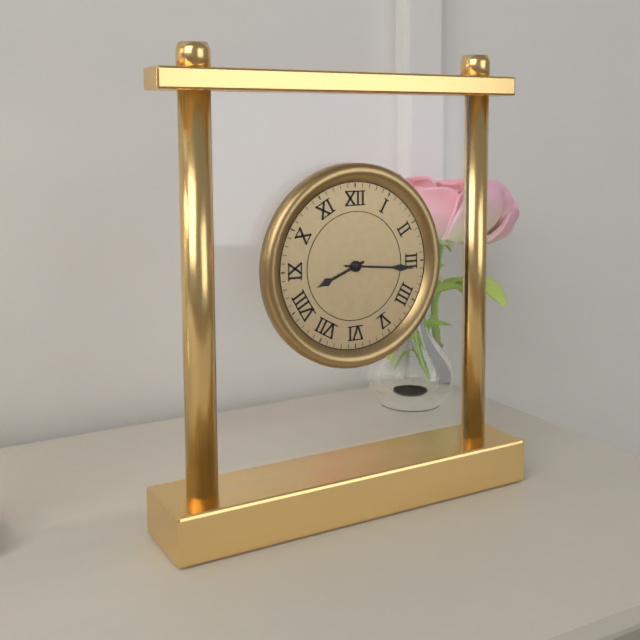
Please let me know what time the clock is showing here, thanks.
8:16
